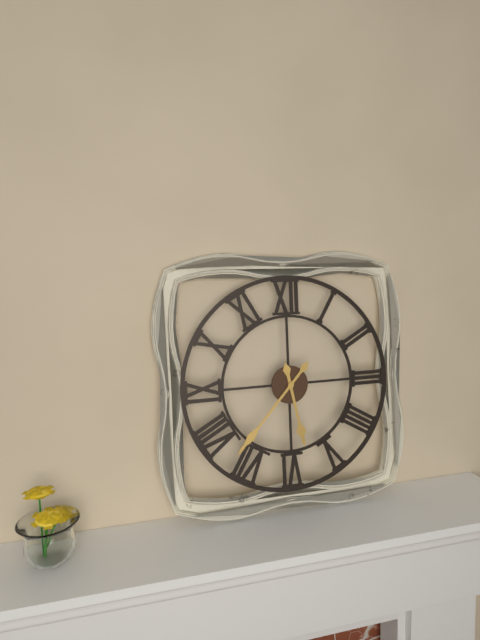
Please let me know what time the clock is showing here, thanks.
5:37
